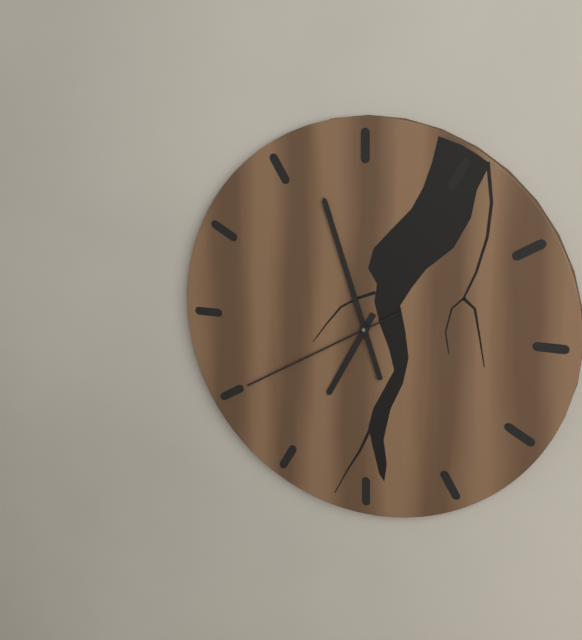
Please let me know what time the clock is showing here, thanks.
6:57:40
